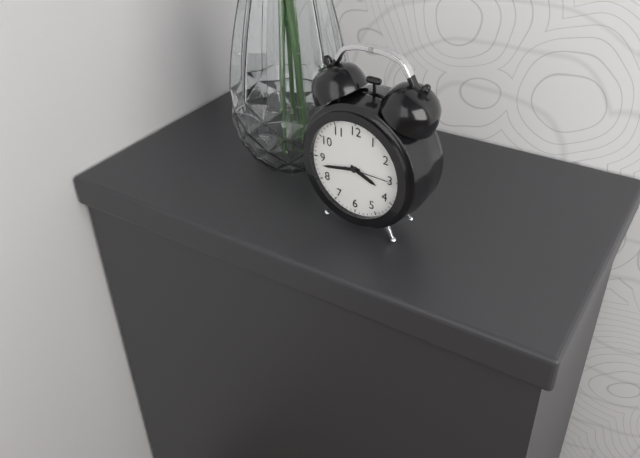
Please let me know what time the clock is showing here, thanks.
3:43
